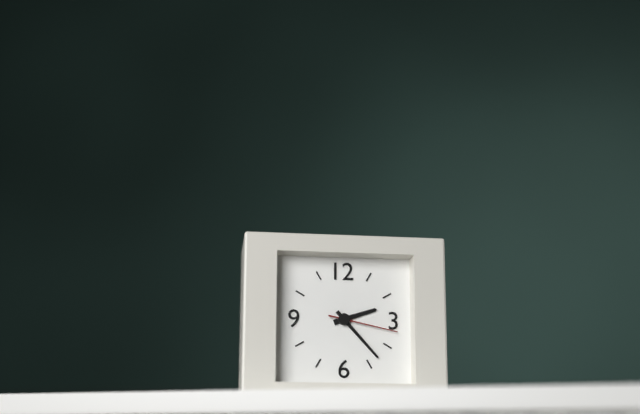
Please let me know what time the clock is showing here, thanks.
2:23:17
